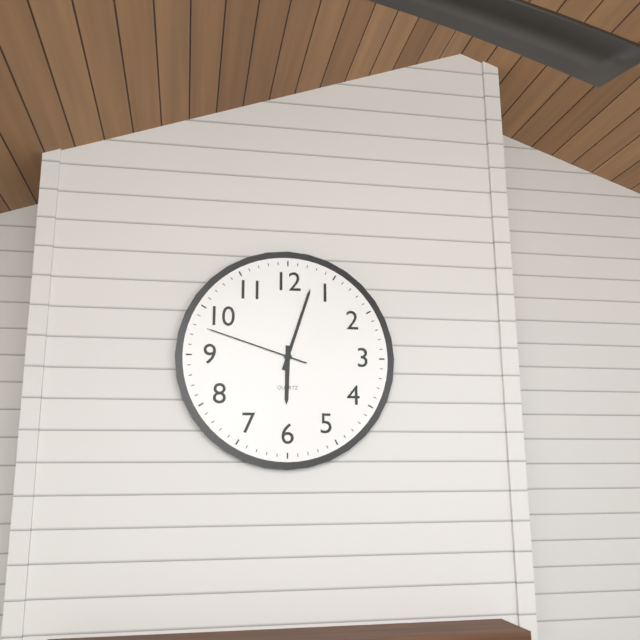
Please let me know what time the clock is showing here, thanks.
6:03:48
